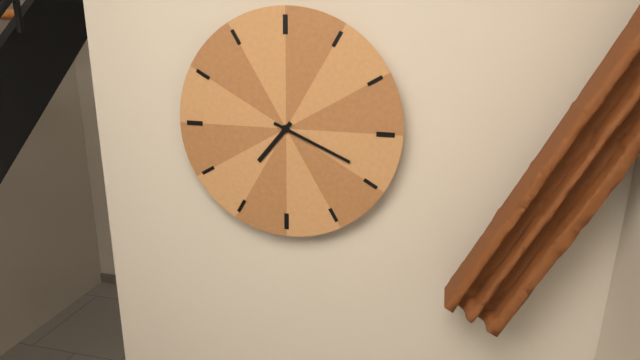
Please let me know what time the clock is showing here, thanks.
7:19
